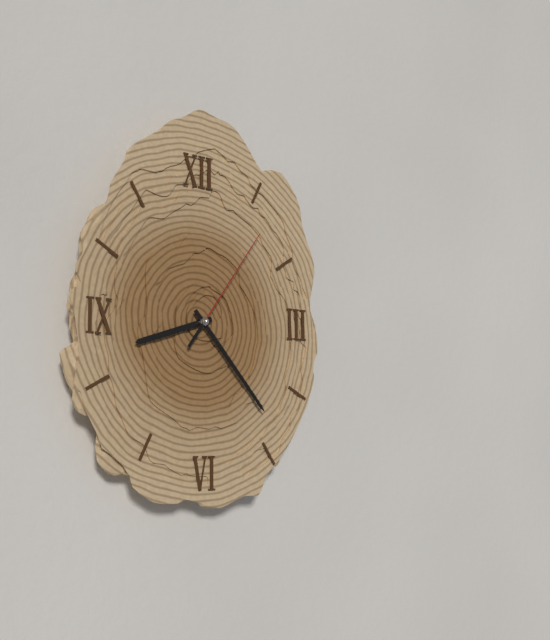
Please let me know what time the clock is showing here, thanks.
8:23:06
